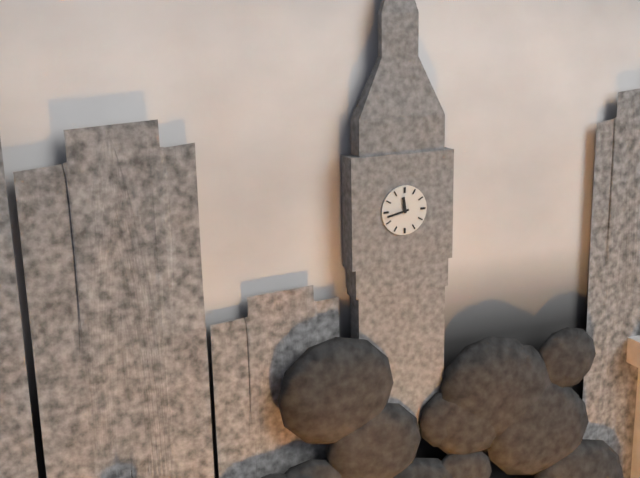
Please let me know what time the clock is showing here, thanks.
11:43
